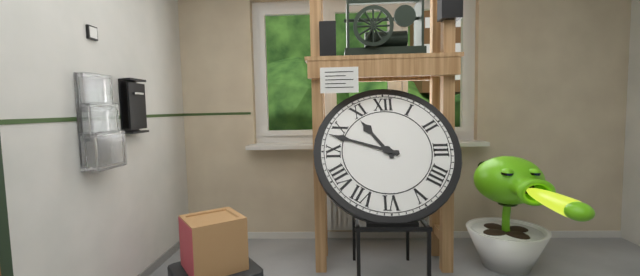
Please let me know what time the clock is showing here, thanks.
10:48
